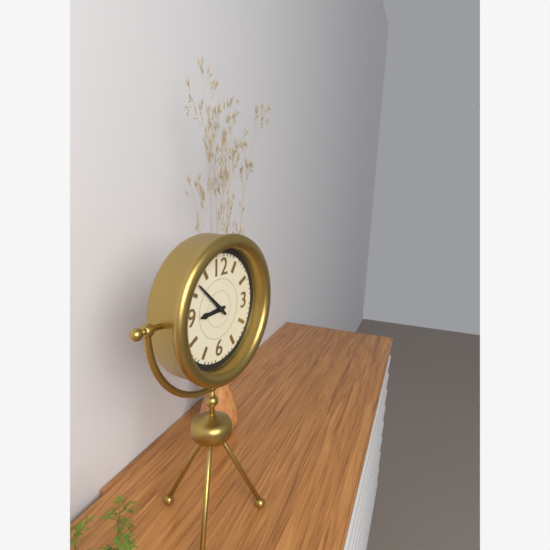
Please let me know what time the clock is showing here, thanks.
8:52
